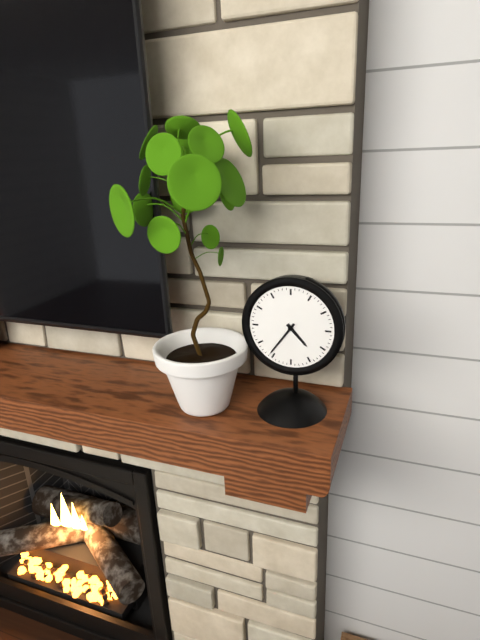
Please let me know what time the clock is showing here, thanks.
4:36
